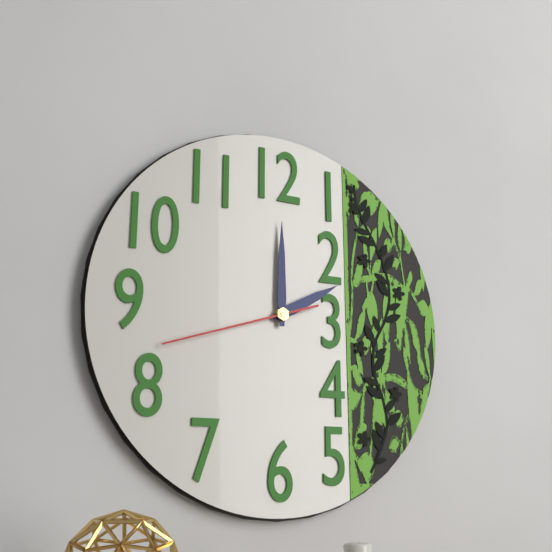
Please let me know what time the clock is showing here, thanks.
2:00:42
